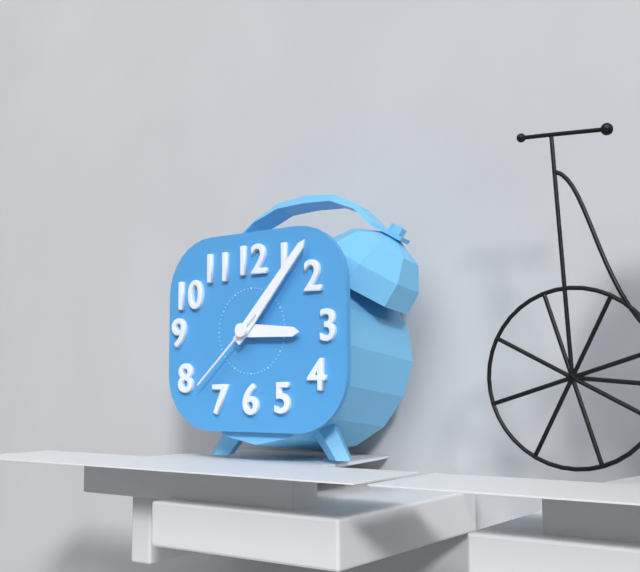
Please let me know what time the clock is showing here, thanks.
3:07:38
